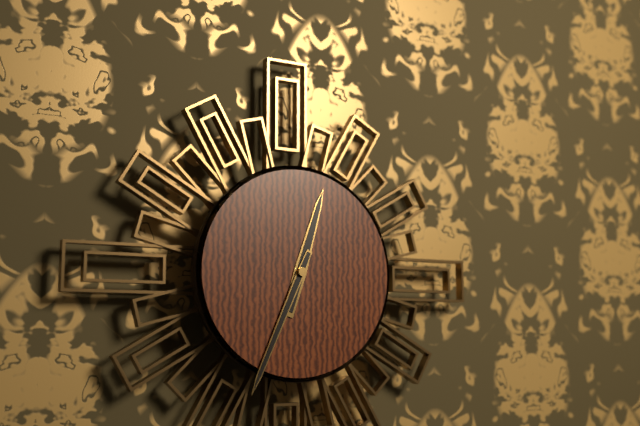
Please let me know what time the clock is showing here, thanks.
12:34
